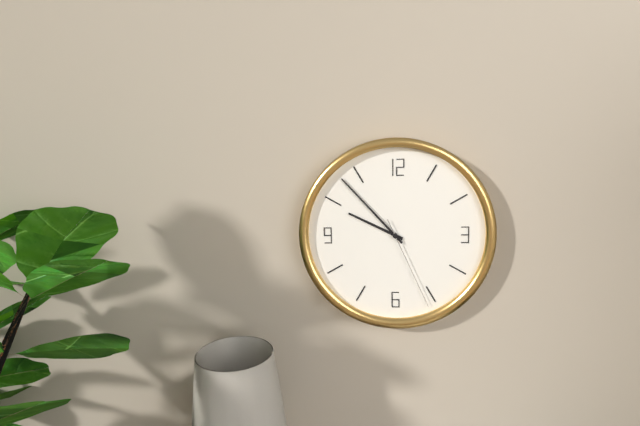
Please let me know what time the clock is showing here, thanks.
9:53:26
